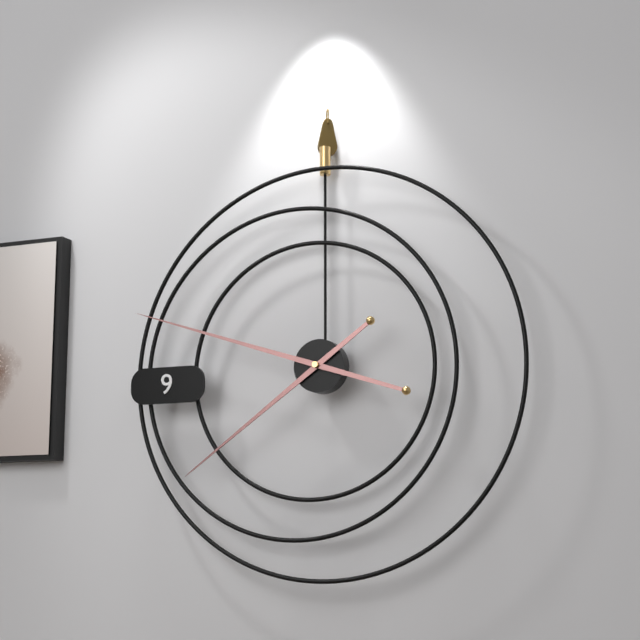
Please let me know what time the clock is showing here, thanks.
7:48
